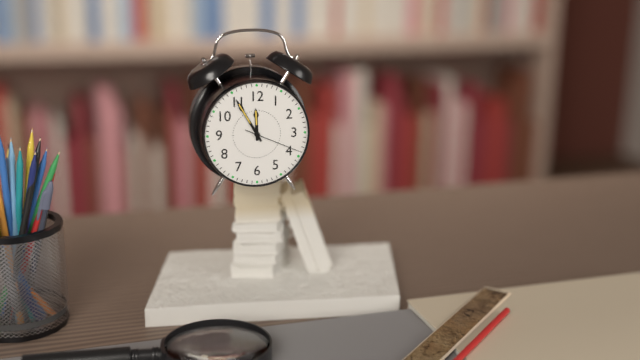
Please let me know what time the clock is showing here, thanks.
11:55:19
